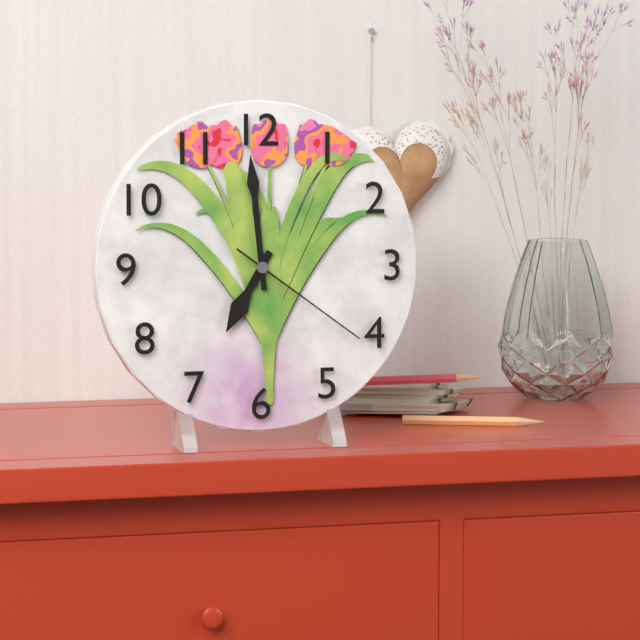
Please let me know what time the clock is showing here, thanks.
6:59:21
